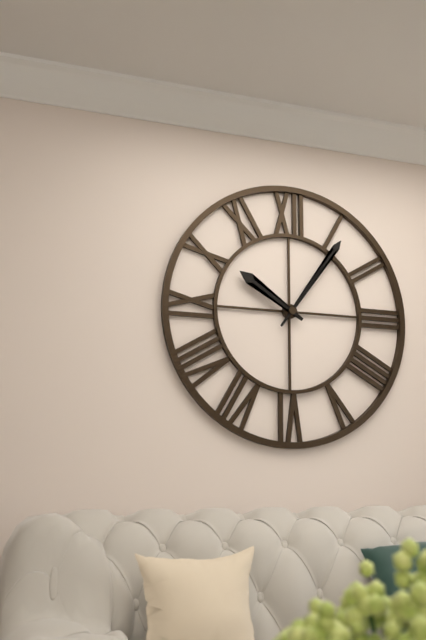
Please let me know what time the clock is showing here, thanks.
10:06
